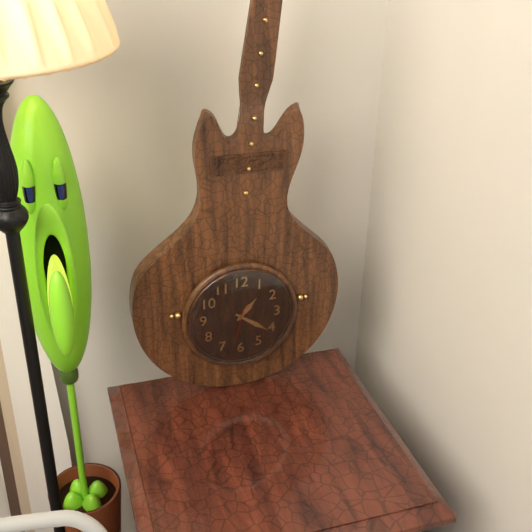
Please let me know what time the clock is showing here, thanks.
1:21
